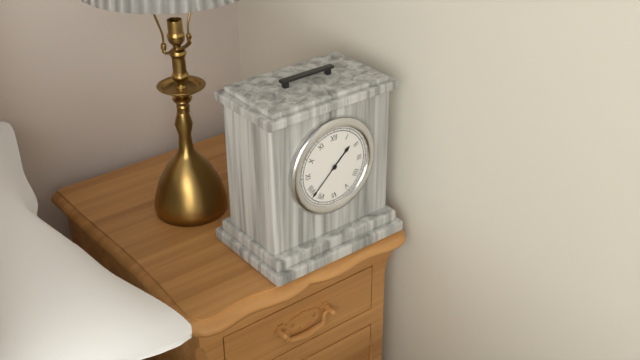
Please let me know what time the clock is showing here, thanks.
1:38
